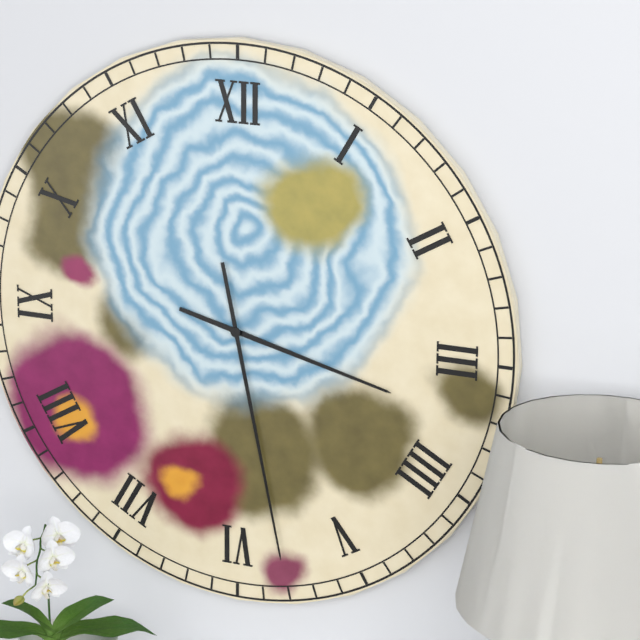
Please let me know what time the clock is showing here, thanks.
3:28
